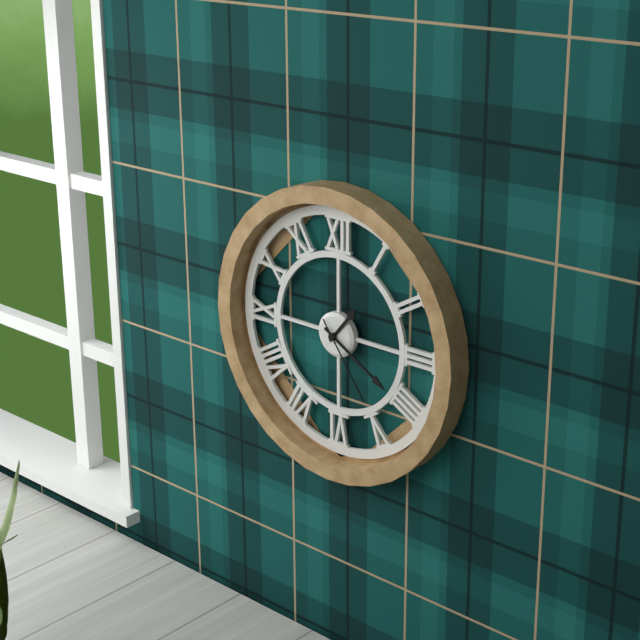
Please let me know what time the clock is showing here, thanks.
1:20:24
